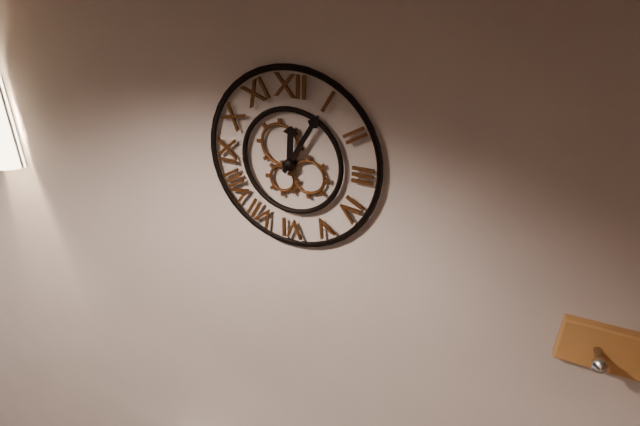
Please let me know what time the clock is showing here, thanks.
12:05
